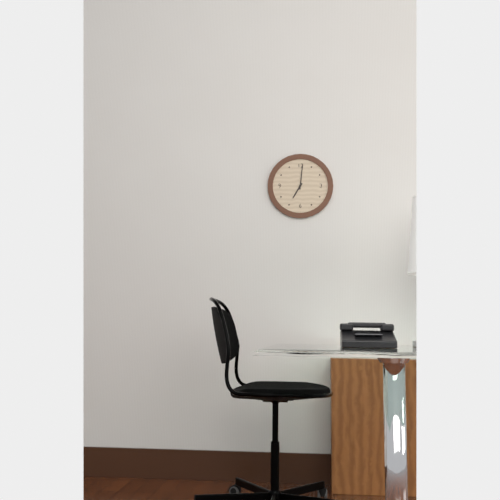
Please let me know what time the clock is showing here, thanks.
7:01
